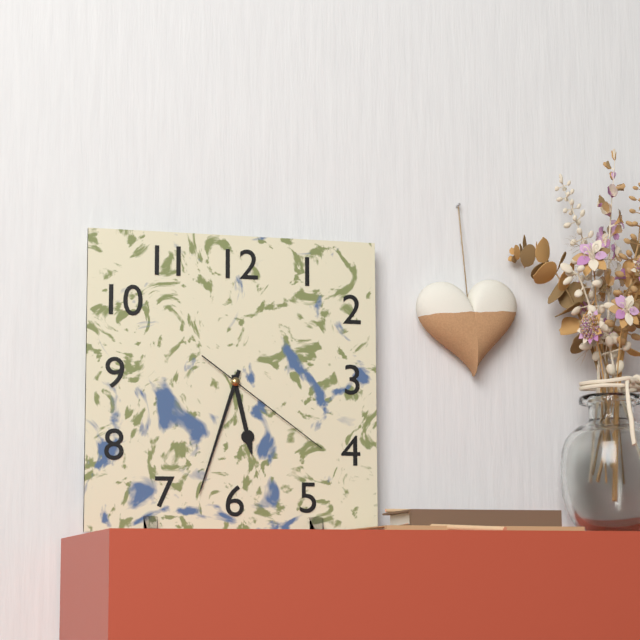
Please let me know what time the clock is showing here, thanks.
5:33:21
